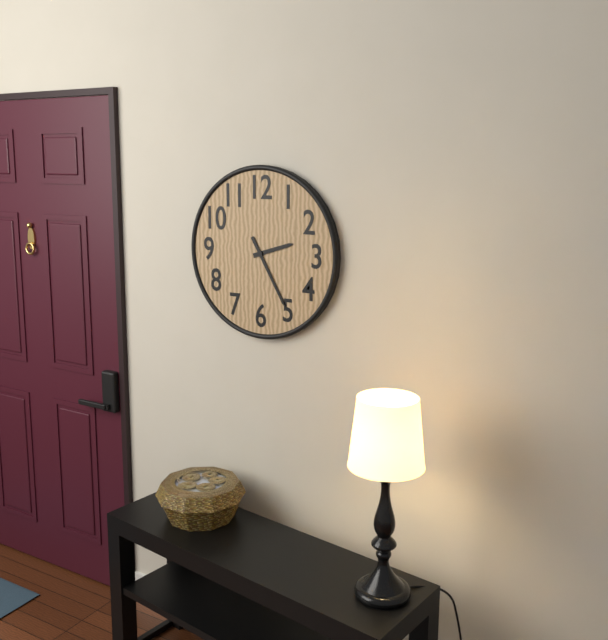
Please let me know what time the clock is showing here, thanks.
2:25
